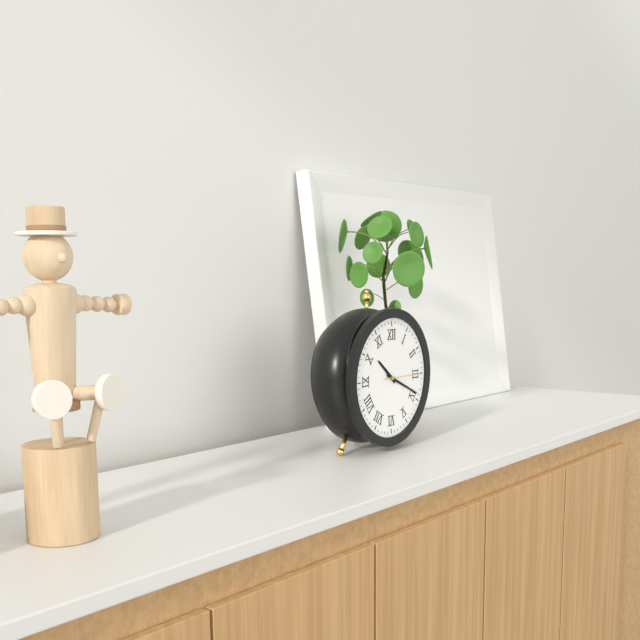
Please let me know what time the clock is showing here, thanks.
10:19
